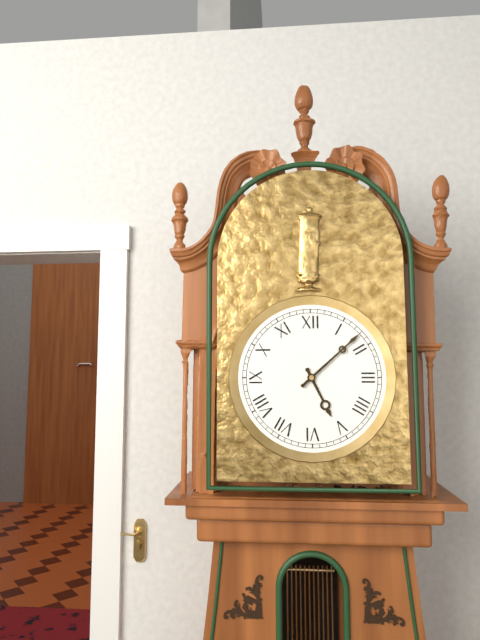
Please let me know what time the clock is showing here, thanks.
5:08
